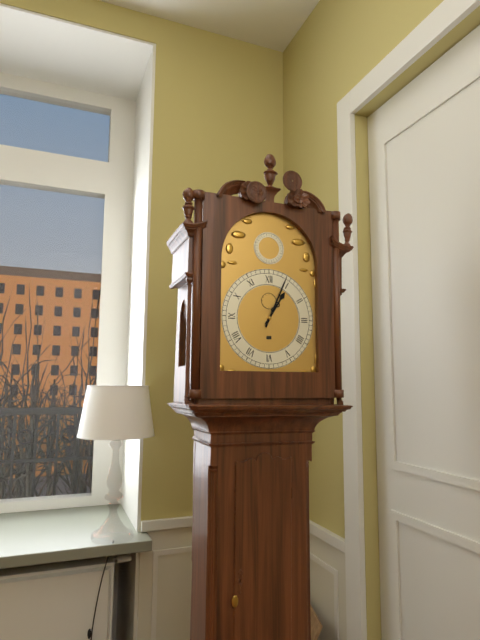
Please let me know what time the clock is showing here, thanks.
1:04
